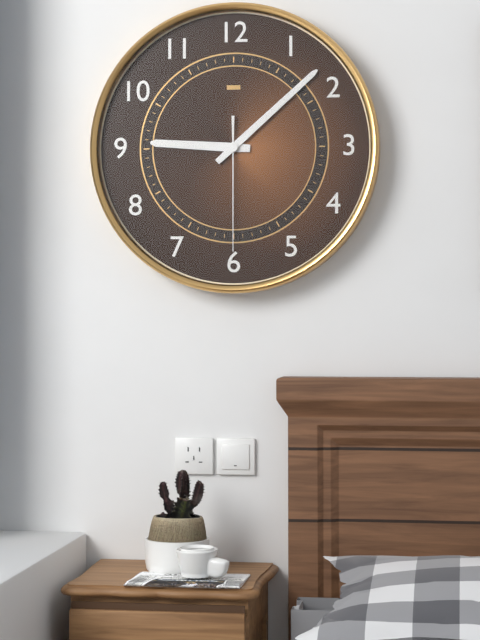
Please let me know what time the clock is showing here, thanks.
9:08:30
